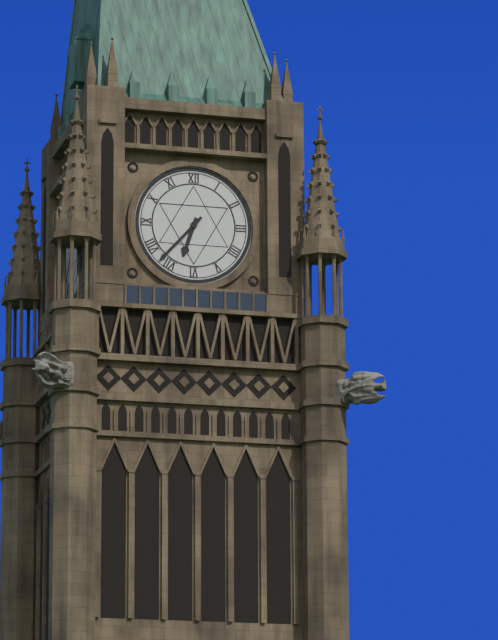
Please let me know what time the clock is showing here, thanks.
6:37
